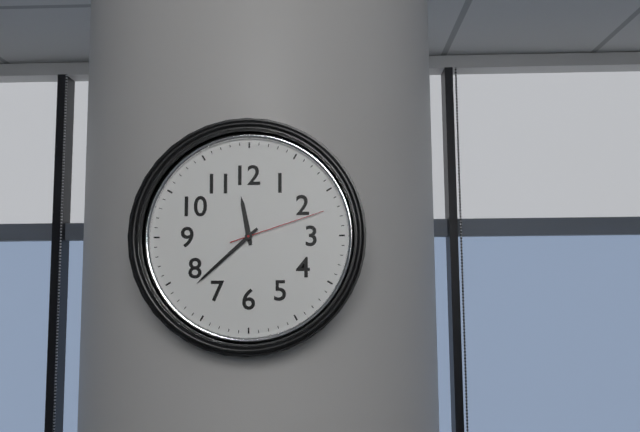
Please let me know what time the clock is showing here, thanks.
11:38:12
